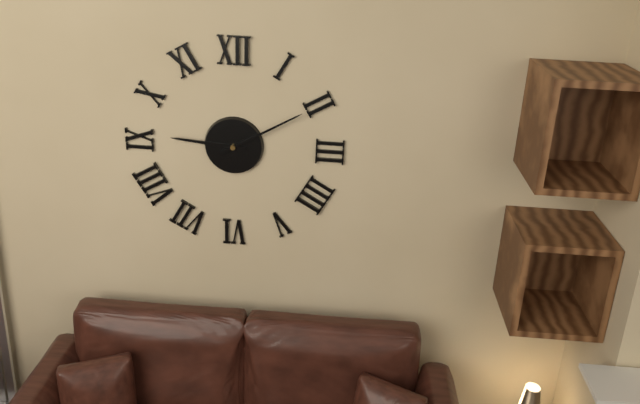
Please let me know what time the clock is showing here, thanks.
9:10
